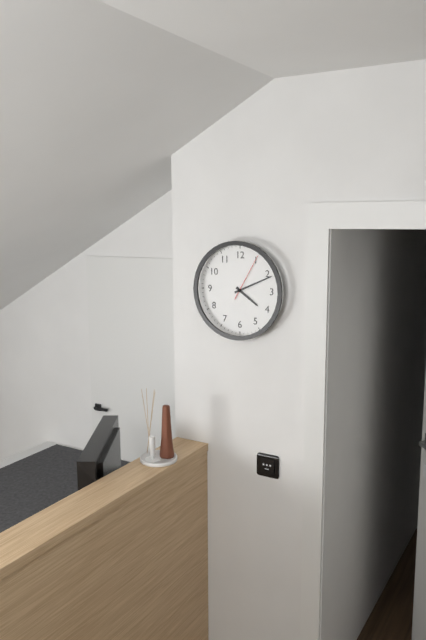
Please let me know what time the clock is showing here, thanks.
4:11
